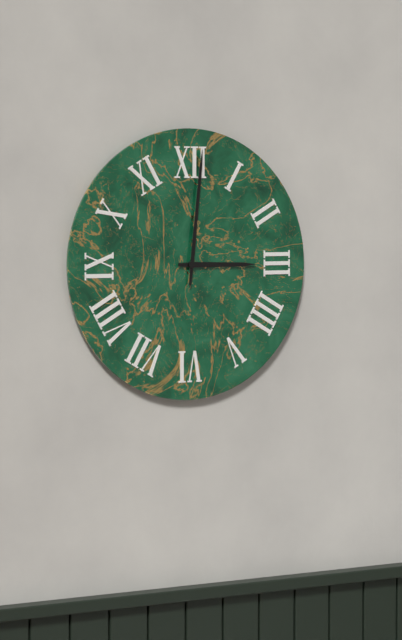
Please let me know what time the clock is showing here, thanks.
3:01
